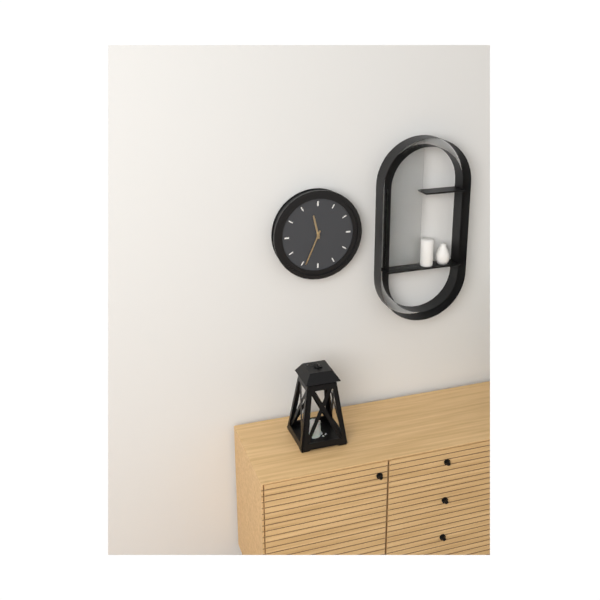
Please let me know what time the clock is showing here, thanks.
11:34
